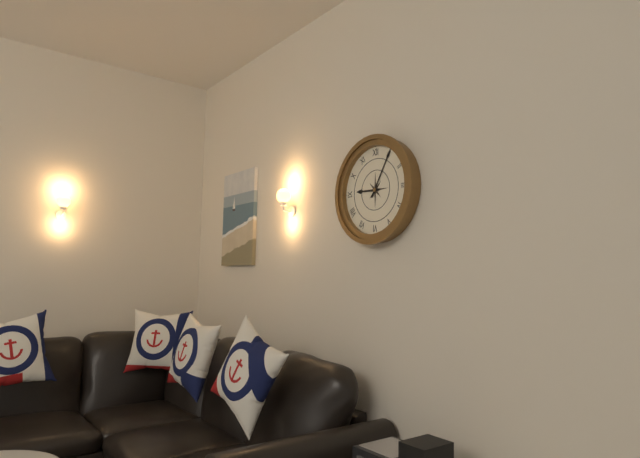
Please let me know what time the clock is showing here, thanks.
9:05
